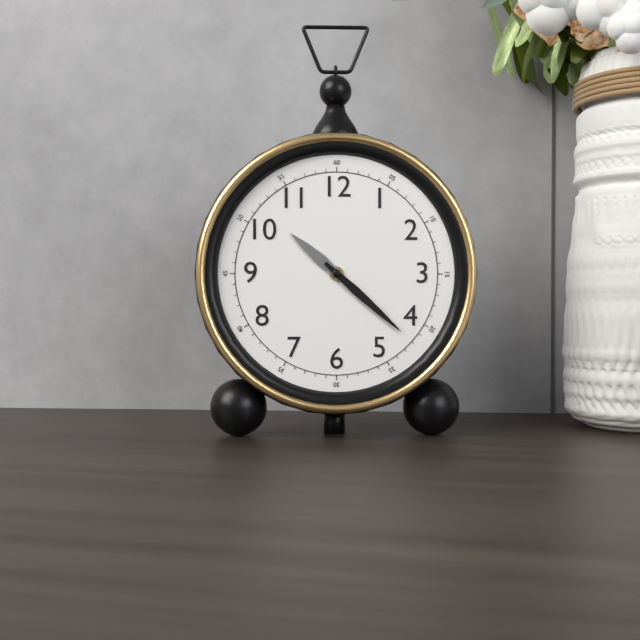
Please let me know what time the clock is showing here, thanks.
10:22
